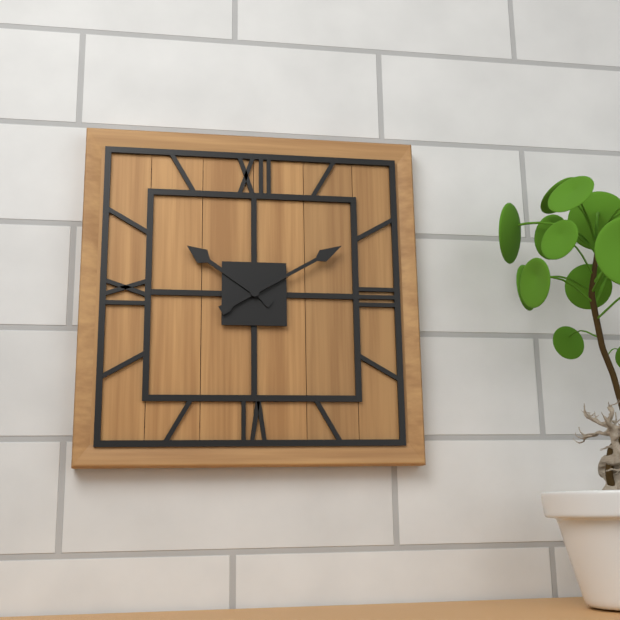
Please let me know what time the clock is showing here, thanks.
10:10
